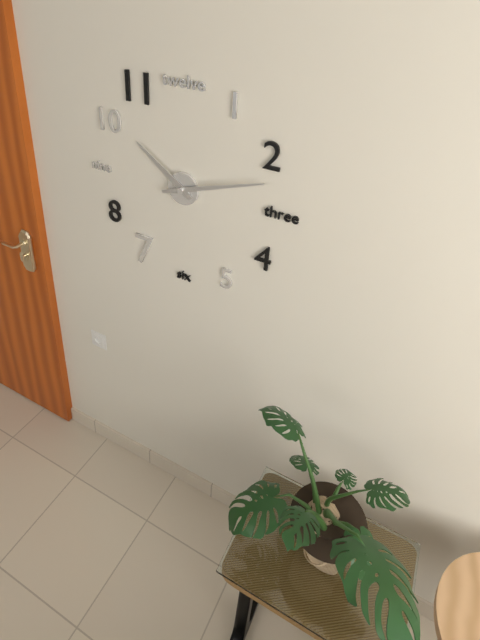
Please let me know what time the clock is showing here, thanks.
10:12
